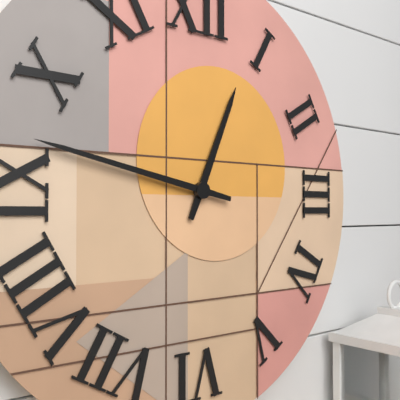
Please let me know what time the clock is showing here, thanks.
12:47
